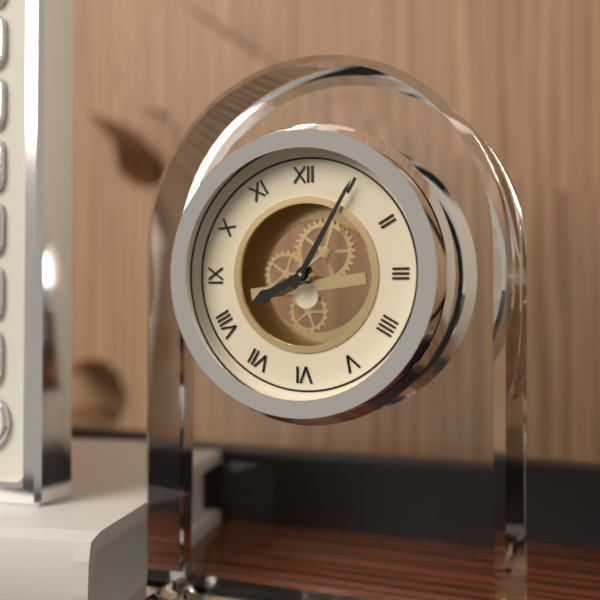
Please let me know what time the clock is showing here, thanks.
8:05
